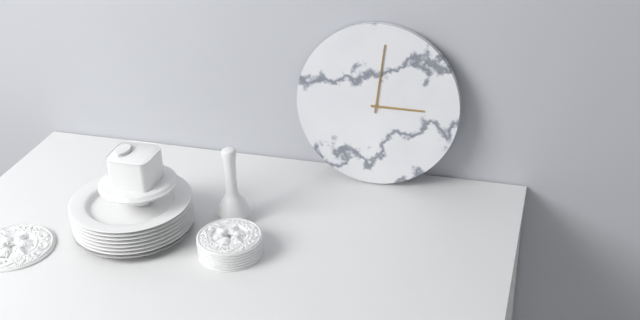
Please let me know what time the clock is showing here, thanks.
3:01
